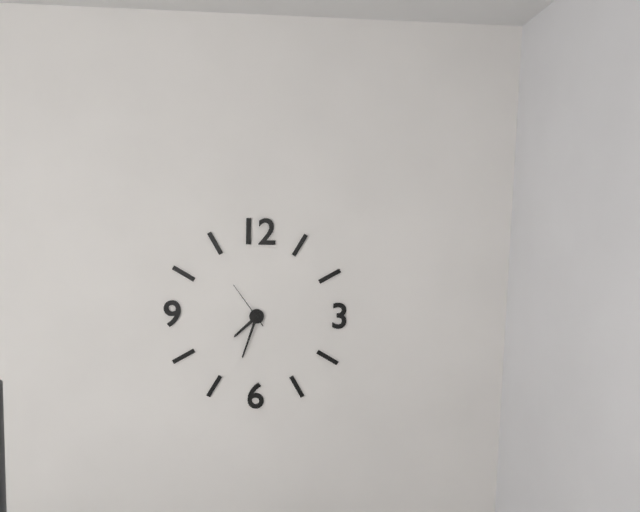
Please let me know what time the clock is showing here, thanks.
7:33
